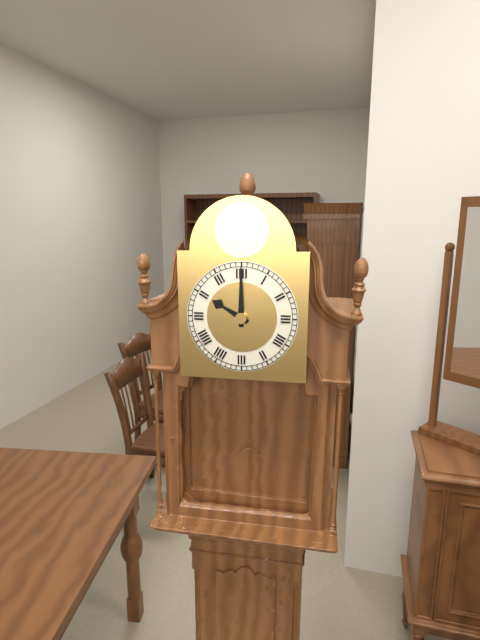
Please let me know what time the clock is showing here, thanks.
10:00
